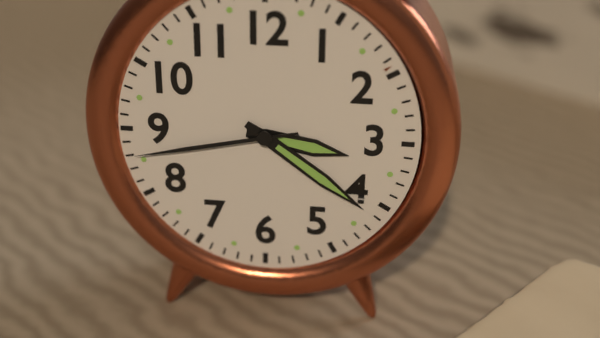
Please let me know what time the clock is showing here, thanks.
3:21:43
